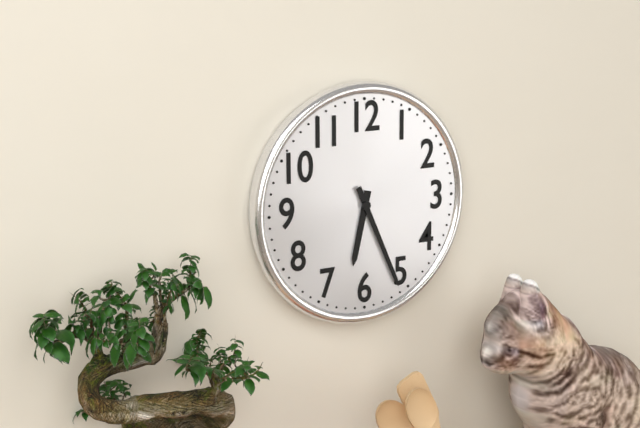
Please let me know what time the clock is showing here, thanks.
6:26
